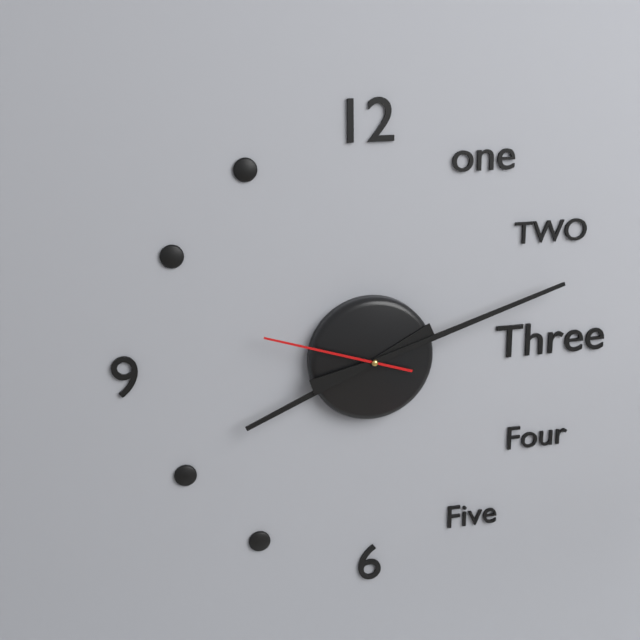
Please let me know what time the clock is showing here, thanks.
8:12:48
